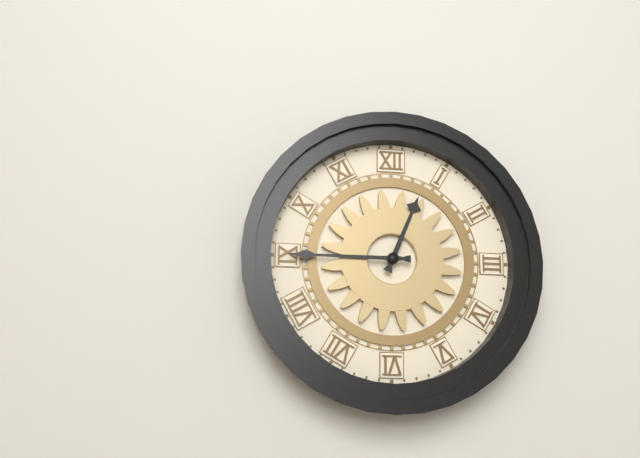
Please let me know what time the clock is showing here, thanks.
12:45
